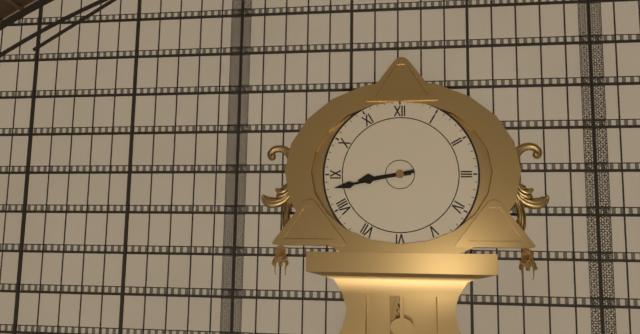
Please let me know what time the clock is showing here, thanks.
8:43
